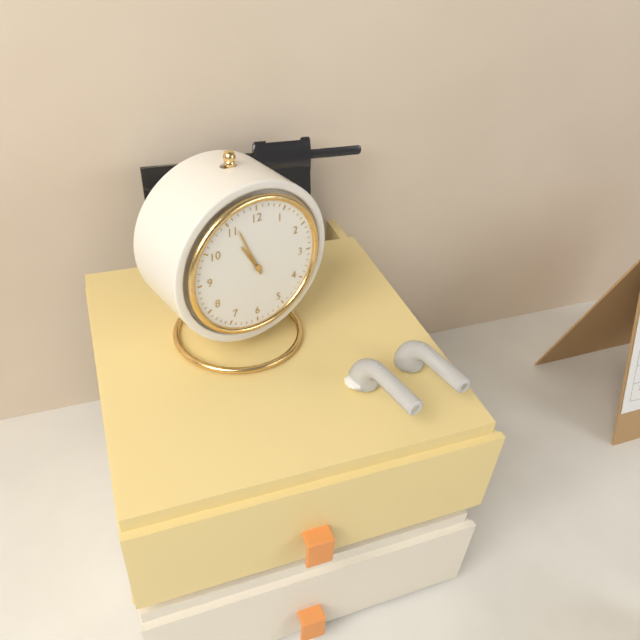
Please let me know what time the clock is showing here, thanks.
10:56
